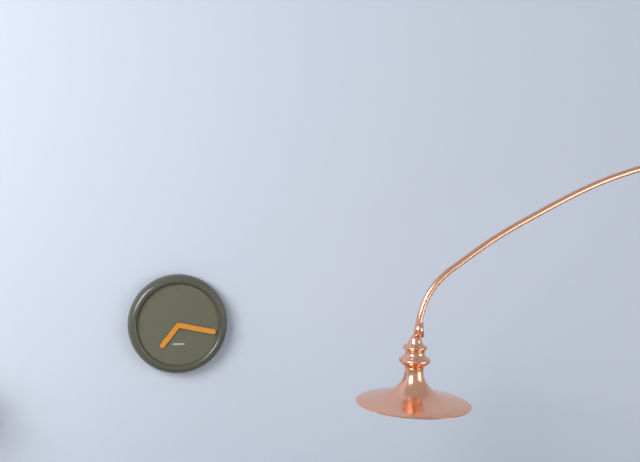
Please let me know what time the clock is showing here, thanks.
7:17
